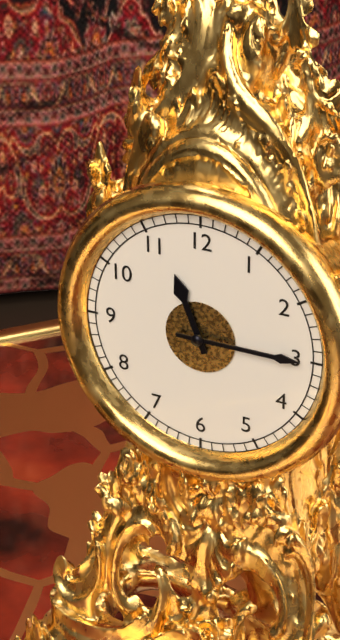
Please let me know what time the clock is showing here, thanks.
11:15
